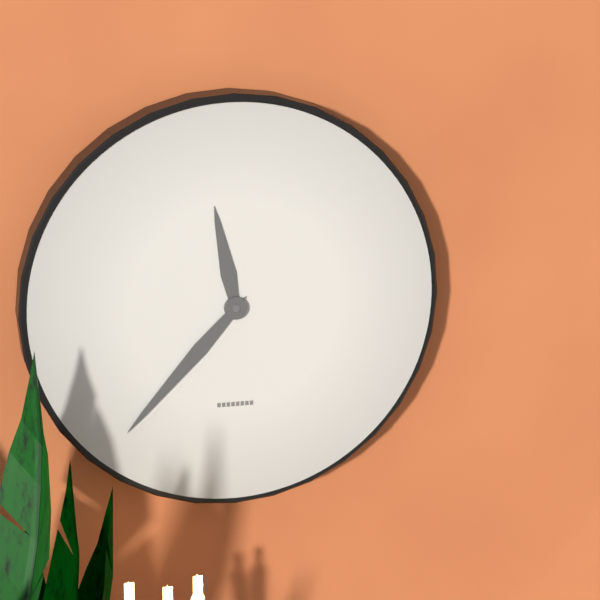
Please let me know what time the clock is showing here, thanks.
11:37
